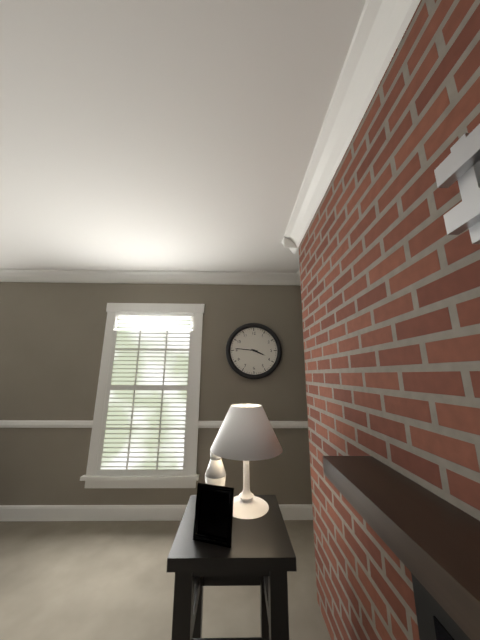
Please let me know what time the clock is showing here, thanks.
3:46
